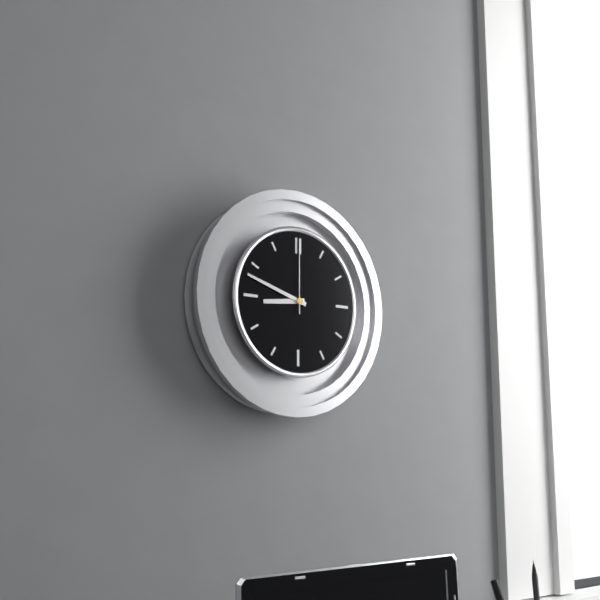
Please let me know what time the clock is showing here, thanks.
8:48:00
